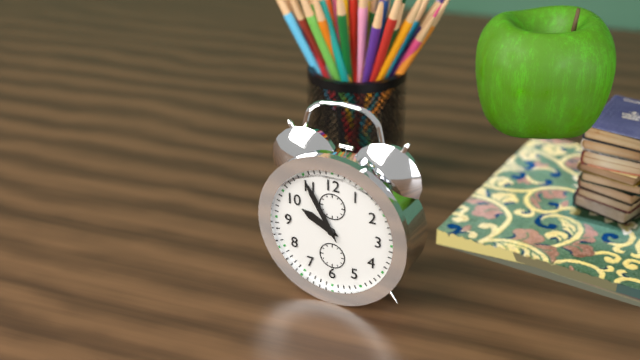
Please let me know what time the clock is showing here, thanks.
9:55
